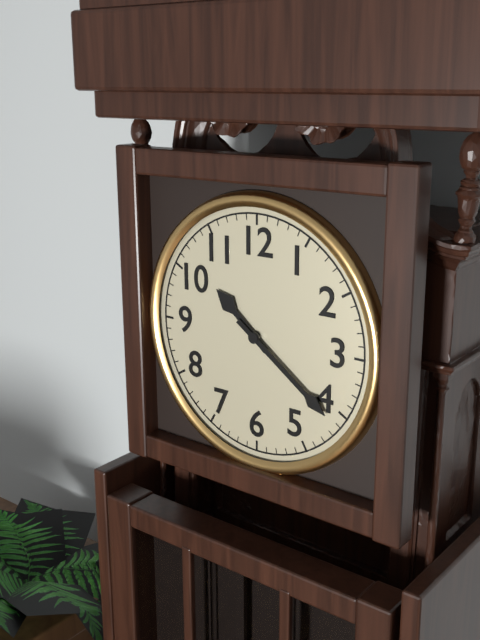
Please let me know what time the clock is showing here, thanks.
10:21
